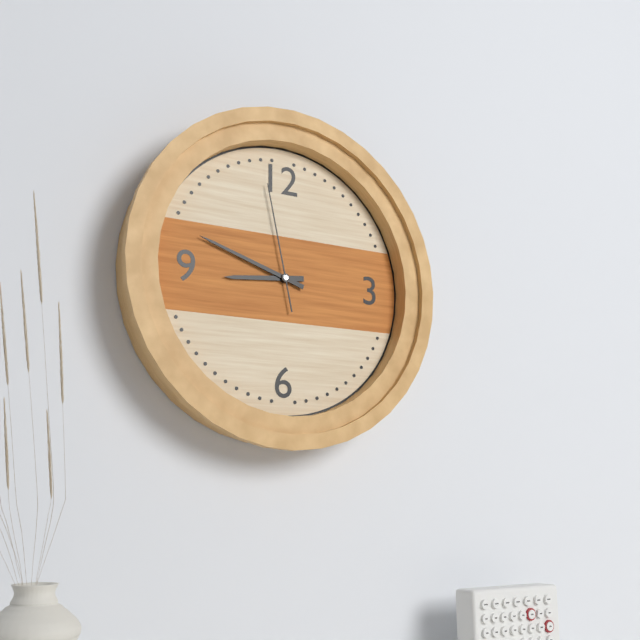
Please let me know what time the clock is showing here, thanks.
8:48:58
